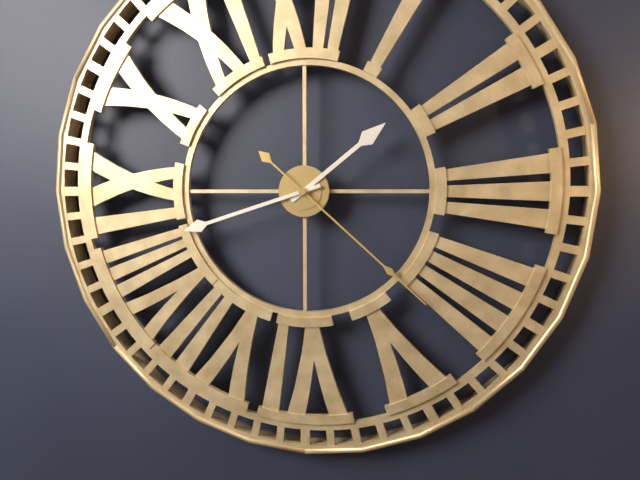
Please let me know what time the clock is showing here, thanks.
1:42:22
